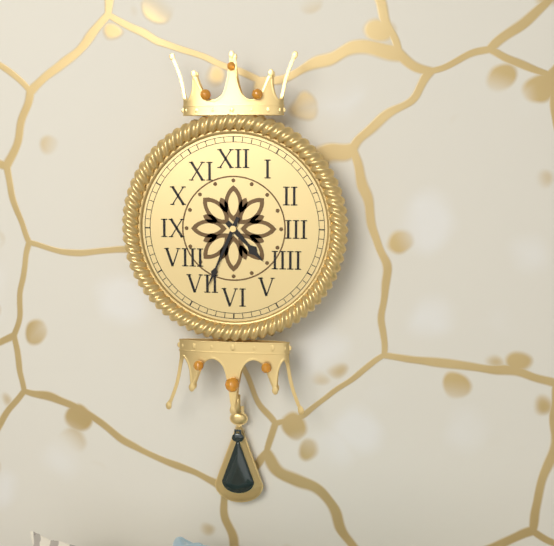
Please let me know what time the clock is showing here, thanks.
4:34
